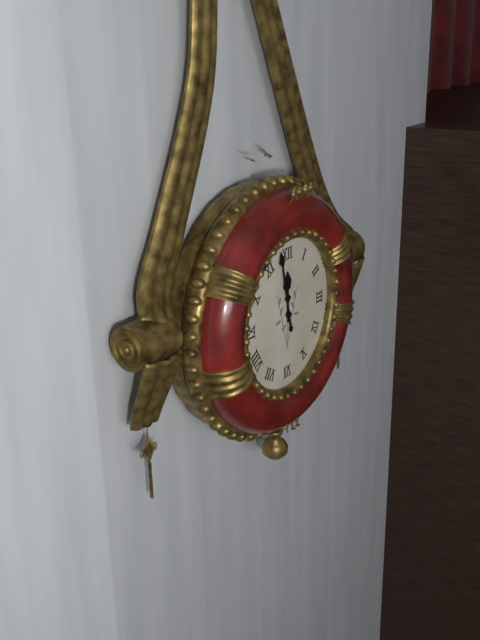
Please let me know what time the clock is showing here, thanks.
11:58
